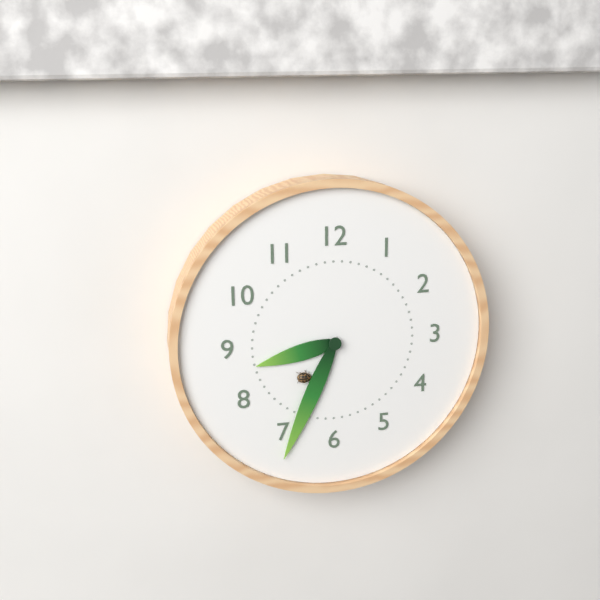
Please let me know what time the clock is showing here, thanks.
8:34
